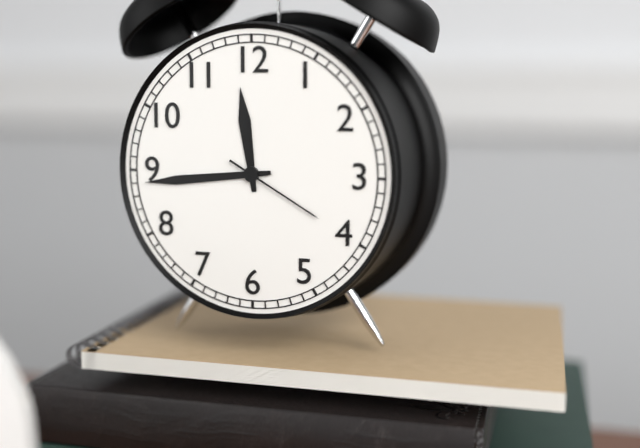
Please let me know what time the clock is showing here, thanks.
11:44:20
